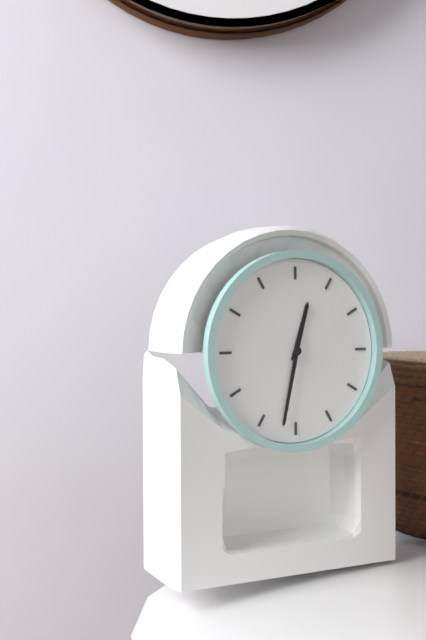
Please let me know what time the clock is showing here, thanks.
12:32
